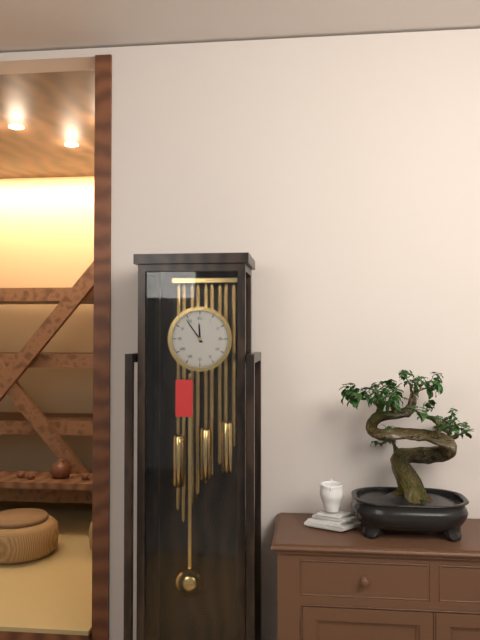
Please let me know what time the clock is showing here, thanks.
11:54
